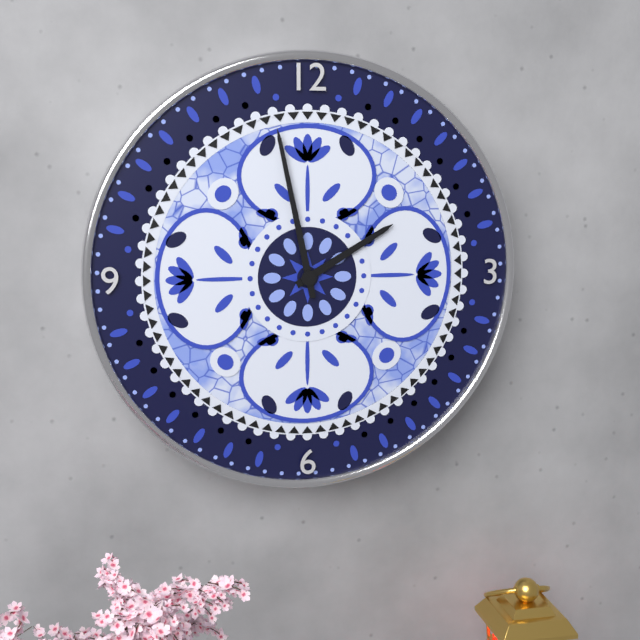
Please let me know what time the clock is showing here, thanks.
1:58
